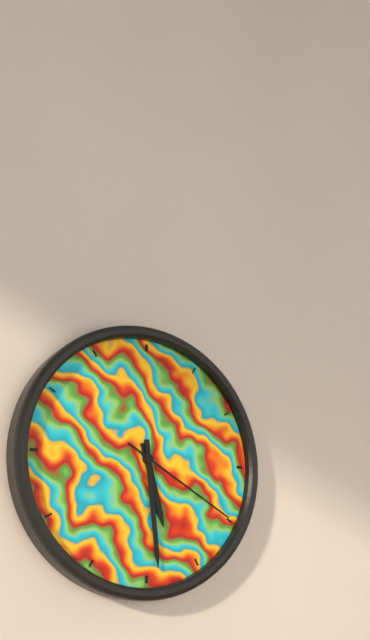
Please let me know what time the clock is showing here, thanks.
5:29:20
